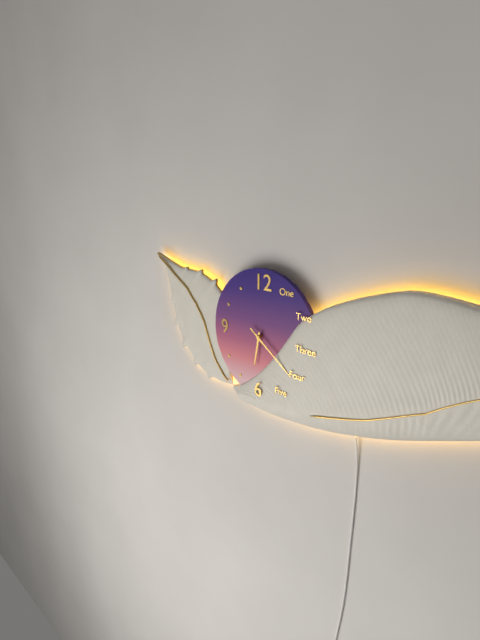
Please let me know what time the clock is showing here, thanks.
6:21
